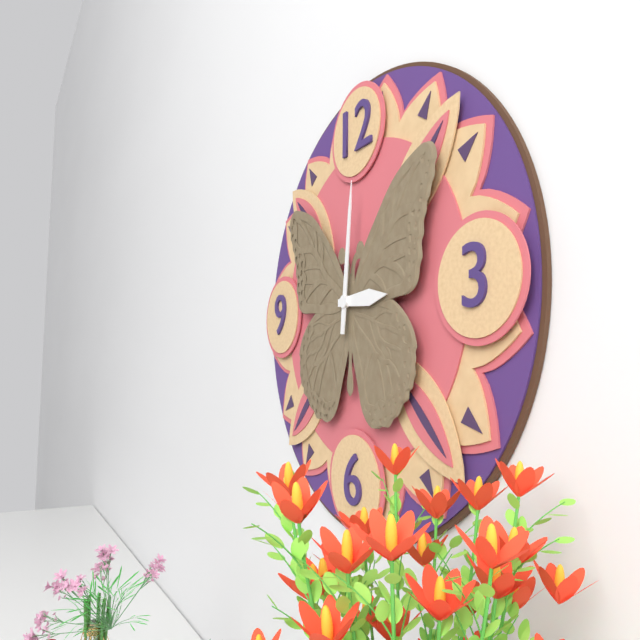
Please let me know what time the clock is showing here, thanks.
3:01
